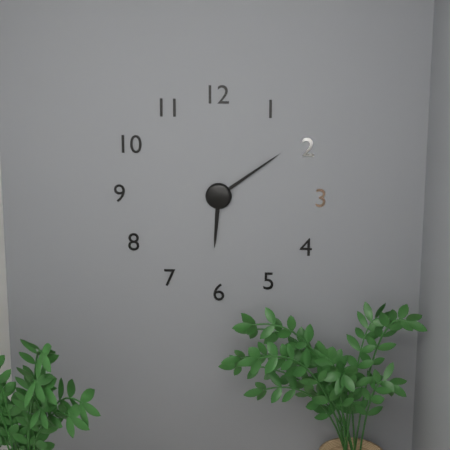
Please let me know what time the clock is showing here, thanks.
6:09
